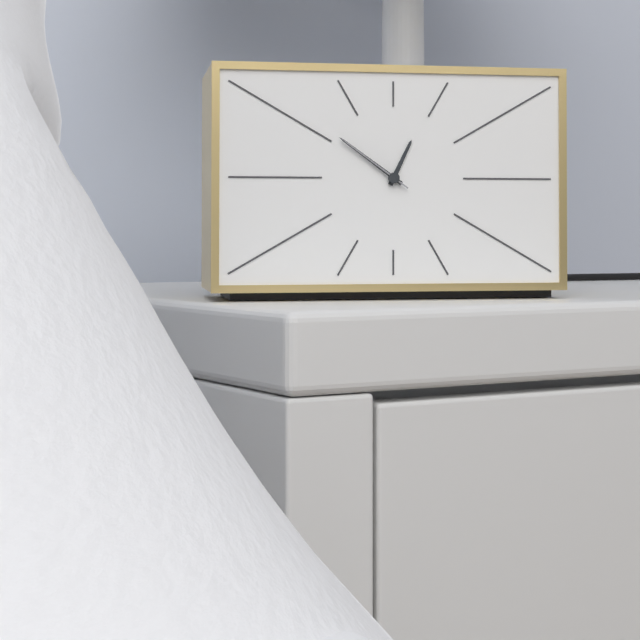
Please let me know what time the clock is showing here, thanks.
12:51:51
